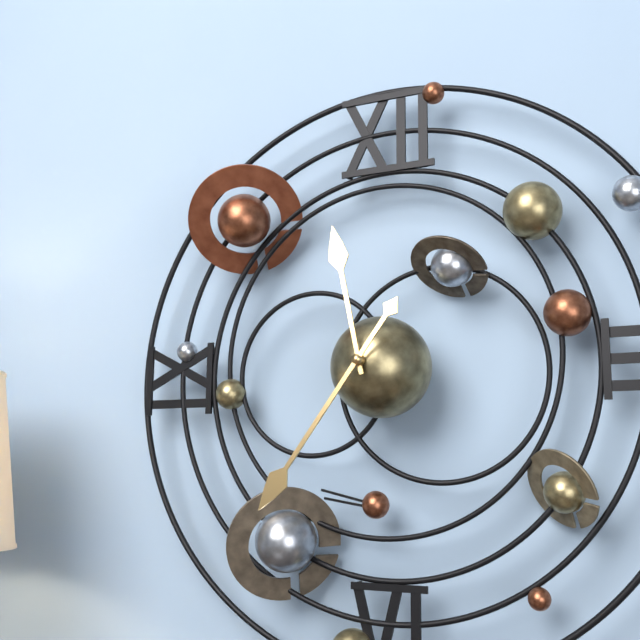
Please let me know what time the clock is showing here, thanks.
11:36
